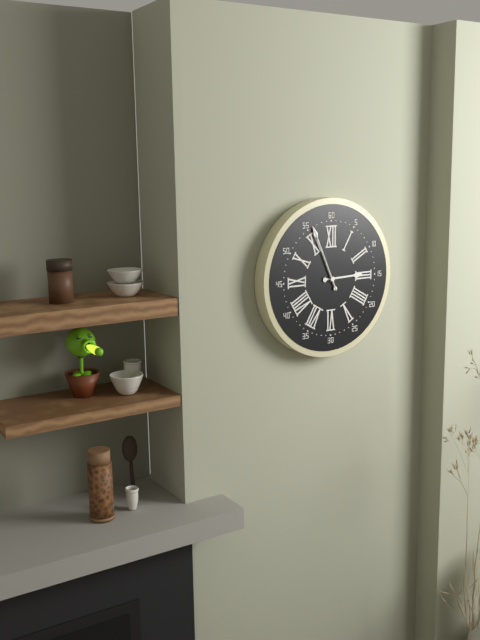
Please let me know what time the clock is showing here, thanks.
2:56:56
